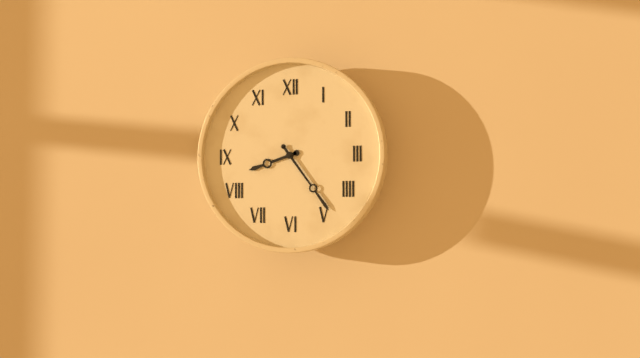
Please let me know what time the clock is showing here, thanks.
8:24
